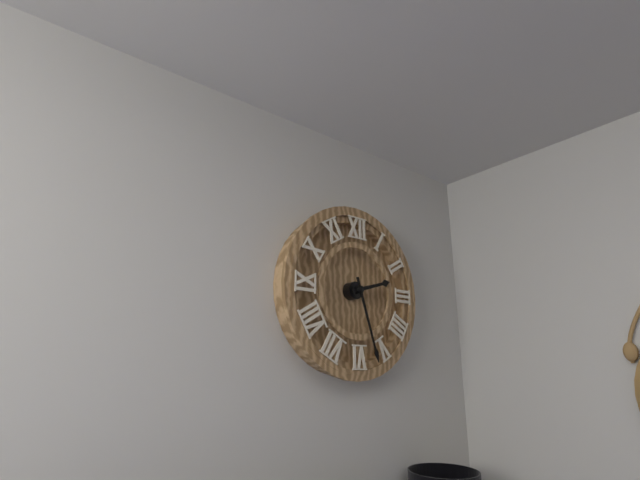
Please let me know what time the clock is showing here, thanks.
2:27
